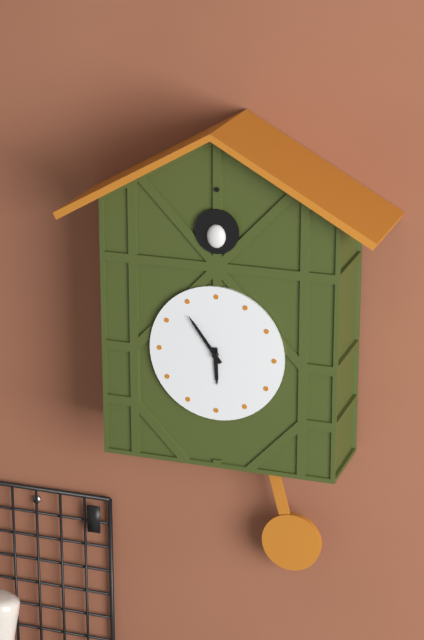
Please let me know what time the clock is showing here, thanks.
5:54
